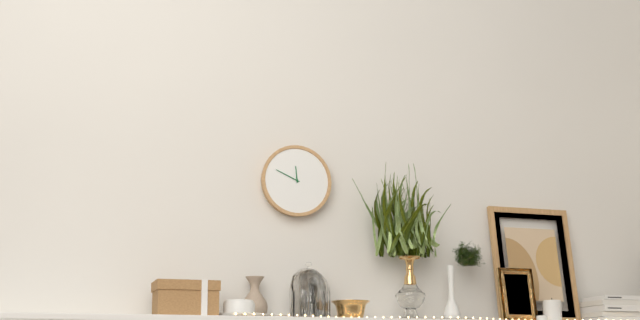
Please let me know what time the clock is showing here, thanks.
11:49
